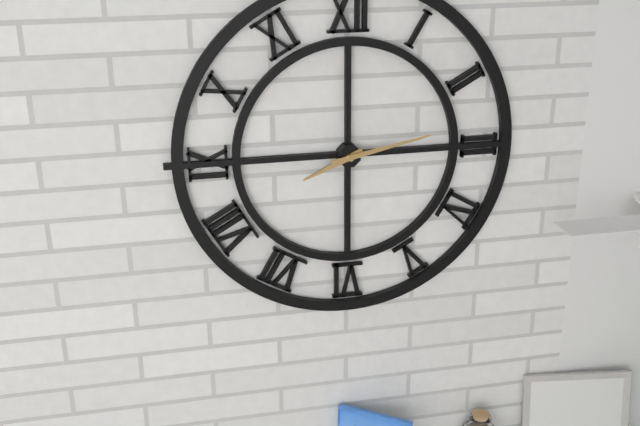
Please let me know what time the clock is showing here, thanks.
8:13
